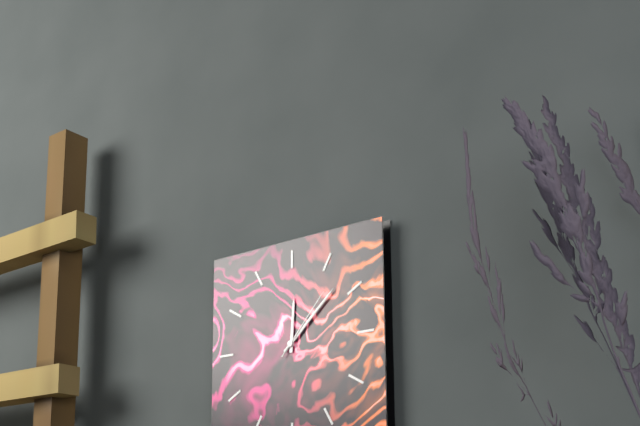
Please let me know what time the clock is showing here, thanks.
12:08:07
